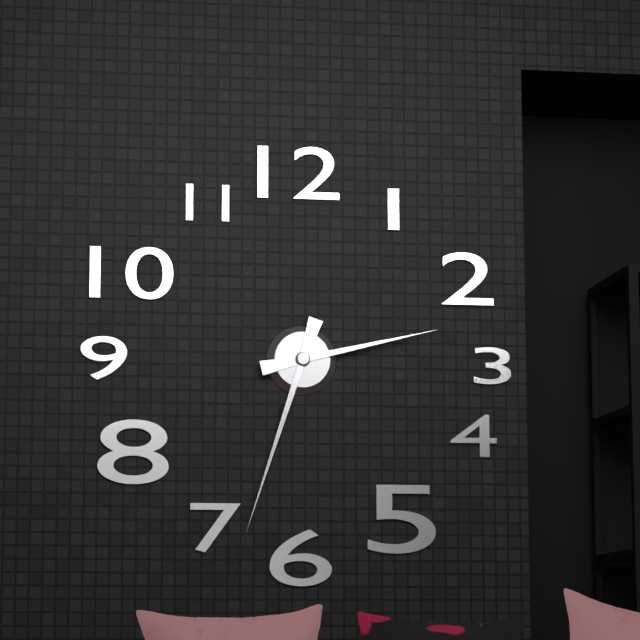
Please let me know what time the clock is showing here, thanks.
2:33
